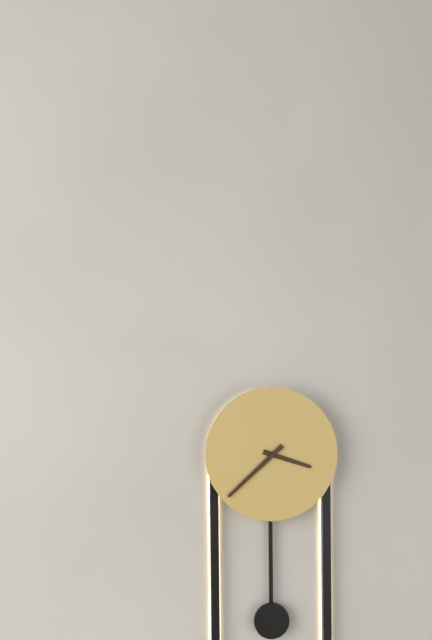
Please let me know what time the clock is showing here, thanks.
3:38
